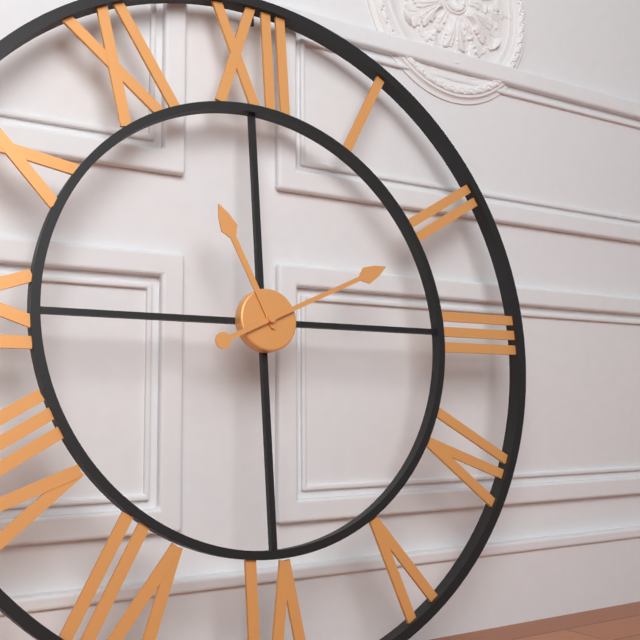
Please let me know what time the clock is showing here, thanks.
11:11
